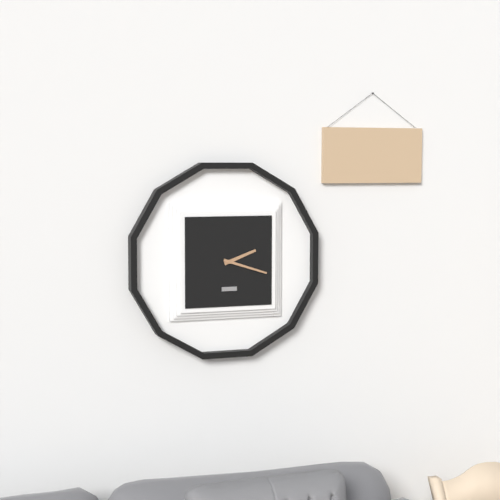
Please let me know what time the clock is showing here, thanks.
2:18
